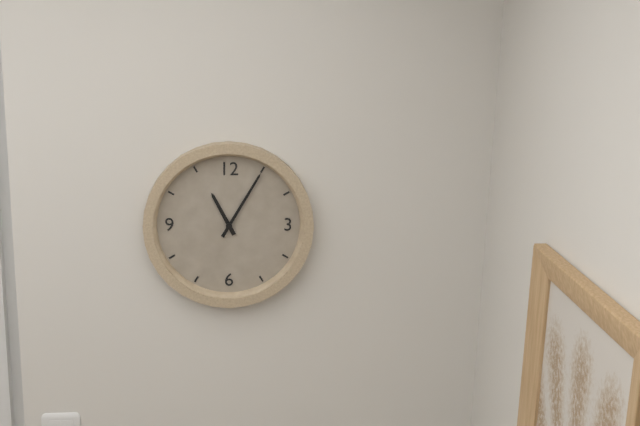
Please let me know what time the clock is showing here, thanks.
11:05
